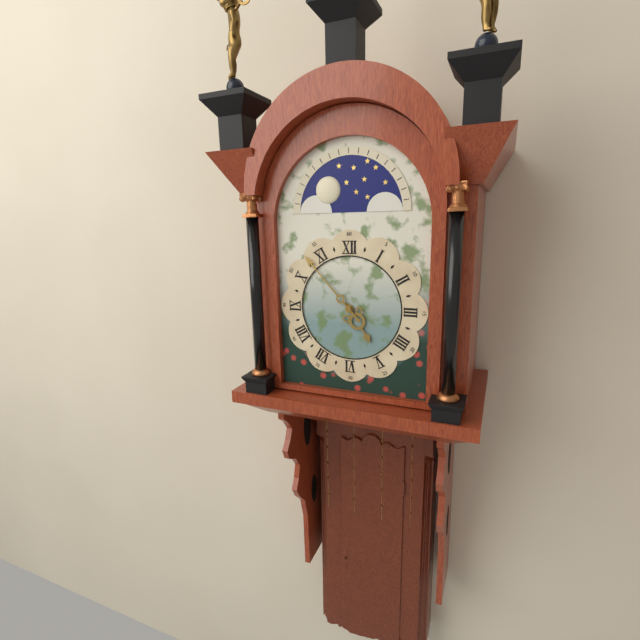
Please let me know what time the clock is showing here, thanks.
4:53
